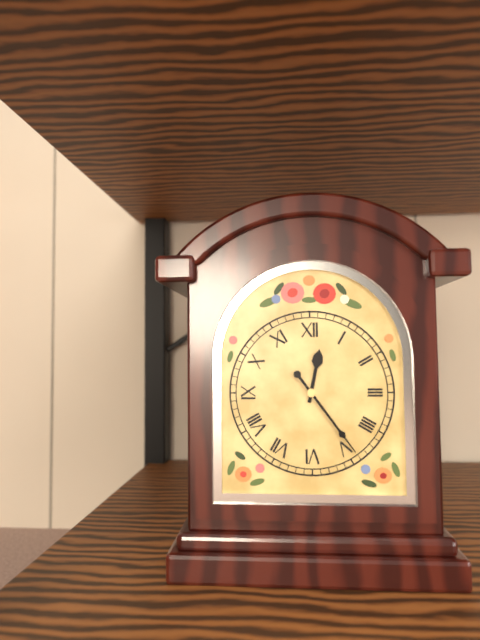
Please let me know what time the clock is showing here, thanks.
12:24
